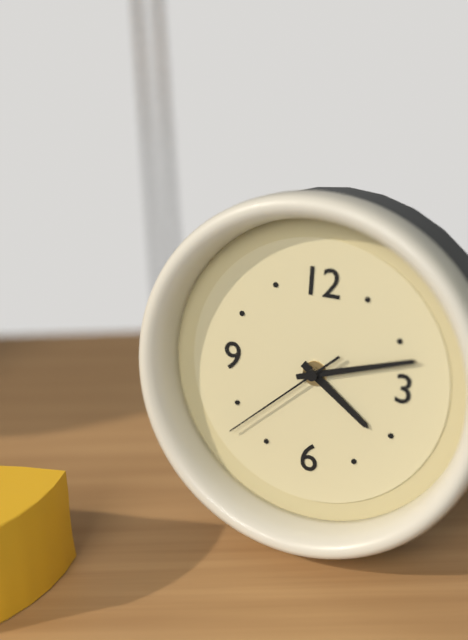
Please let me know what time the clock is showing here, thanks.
4:12:38
